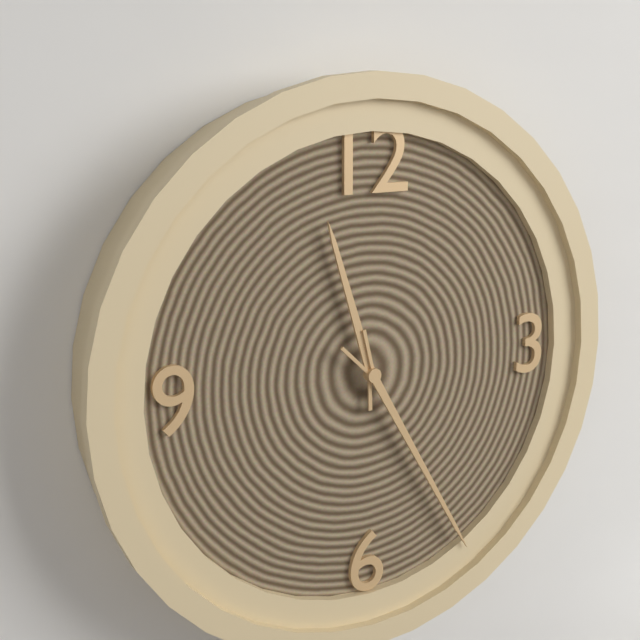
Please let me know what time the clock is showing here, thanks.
11:25
